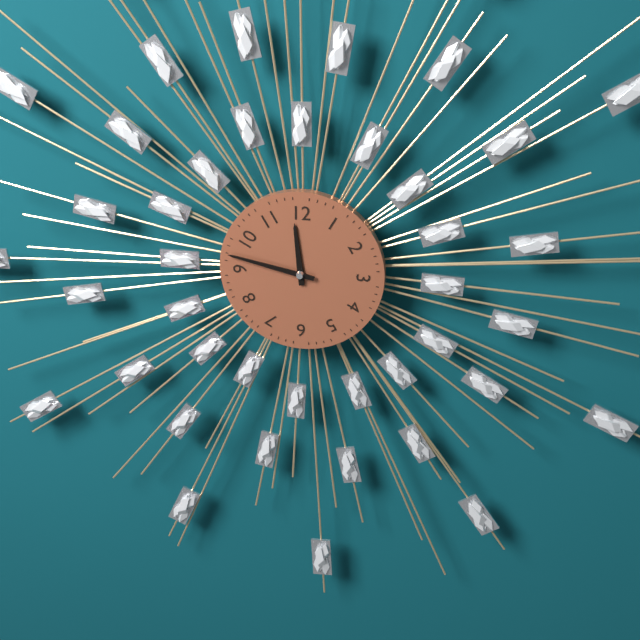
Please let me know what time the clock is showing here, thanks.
11:47
